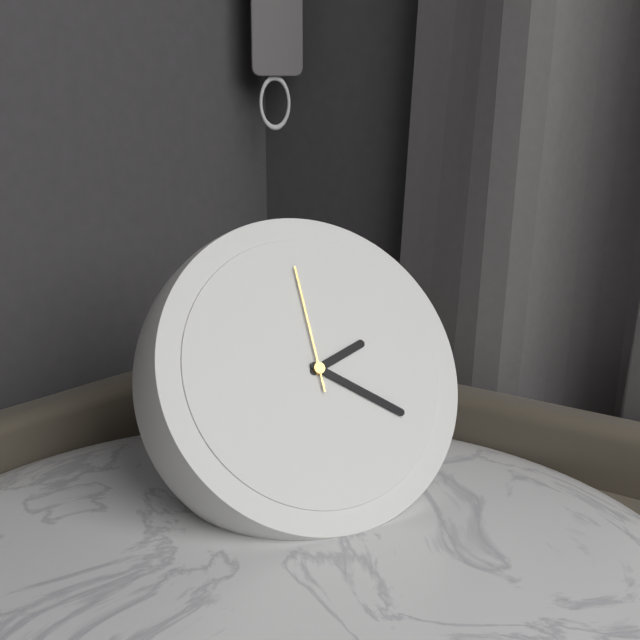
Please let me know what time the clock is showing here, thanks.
2:21:00
